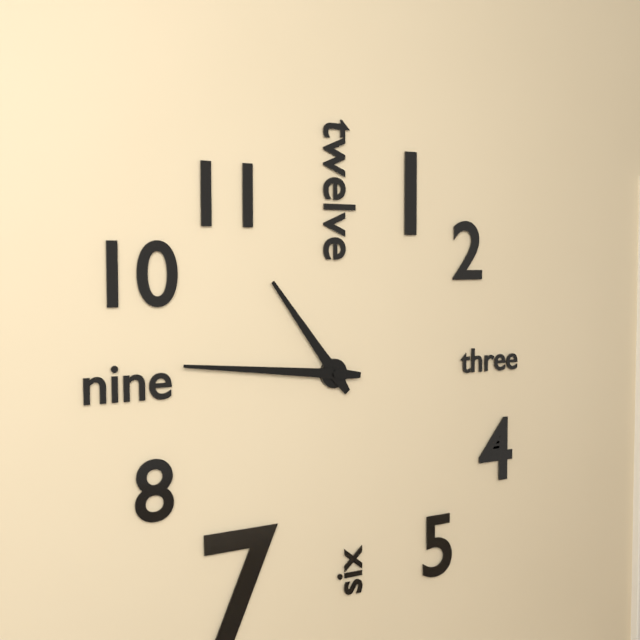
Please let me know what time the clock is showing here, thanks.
10:46
